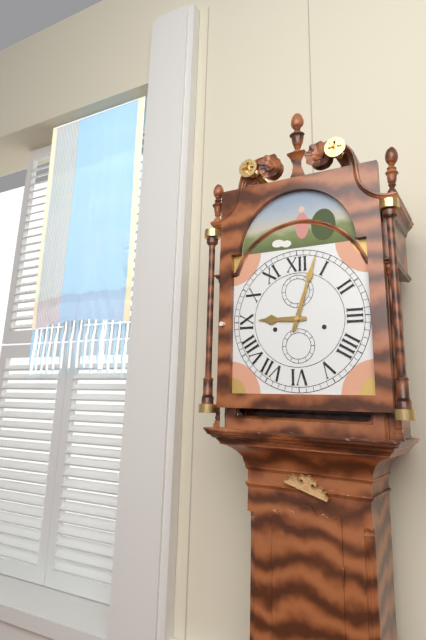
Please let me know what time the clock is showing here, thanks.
9:03
